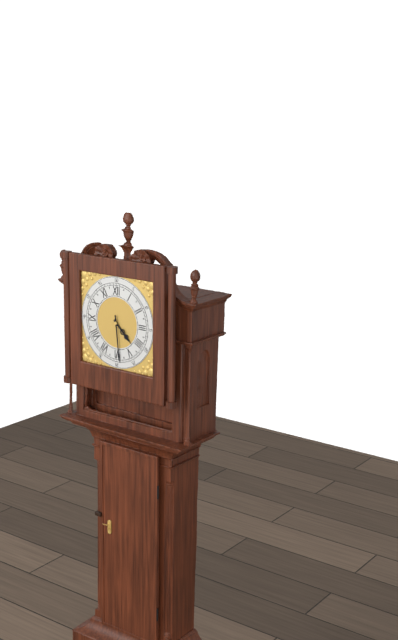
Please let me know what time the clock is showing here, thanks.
4:29
